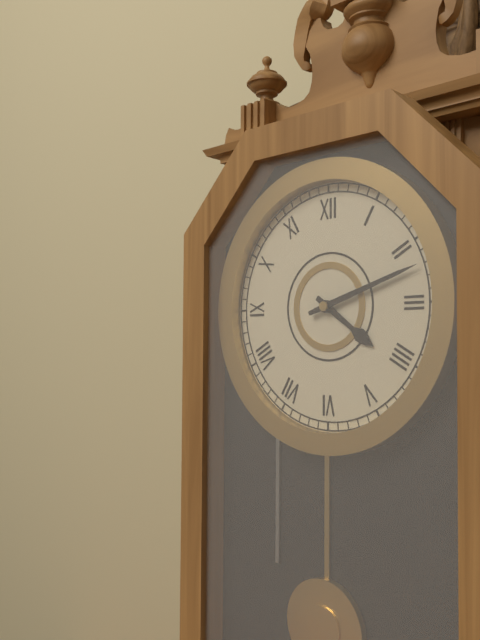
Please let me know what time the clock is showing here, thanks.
4:12
